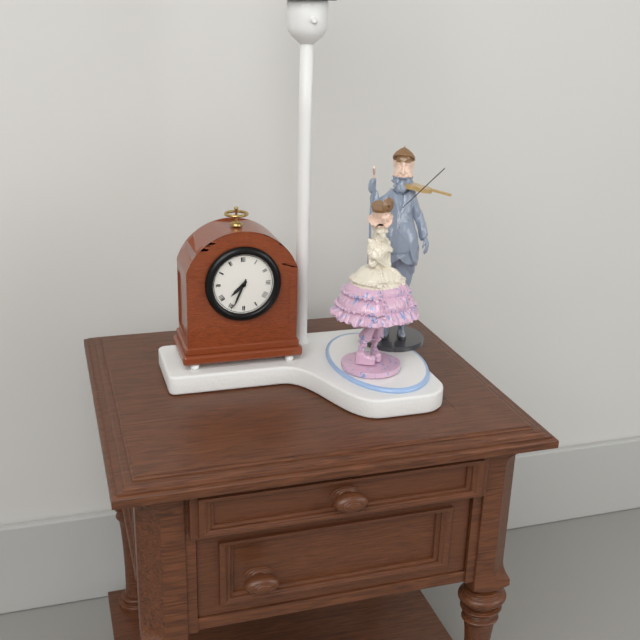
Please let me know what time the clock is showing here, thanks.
7:34
